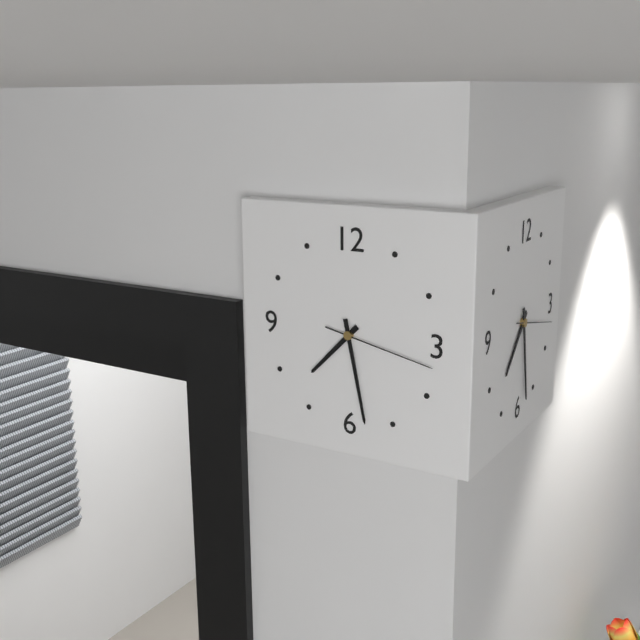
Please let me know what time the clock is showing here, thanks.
7:28:17
